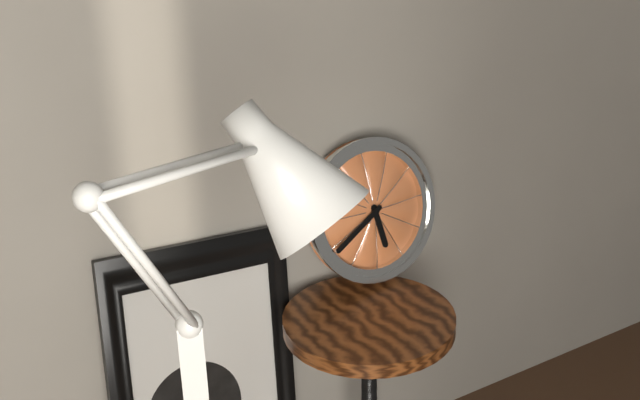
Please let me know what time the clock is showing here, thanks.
5:40
